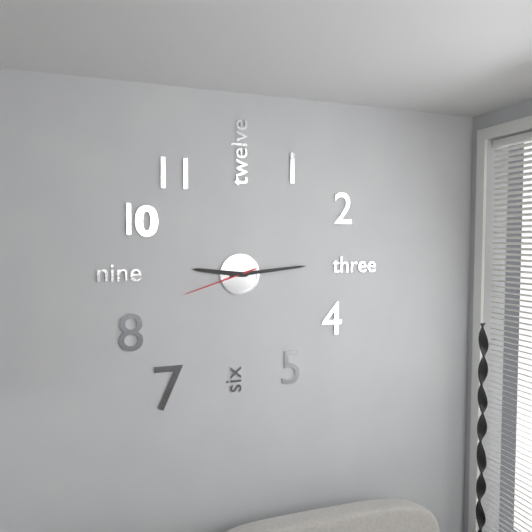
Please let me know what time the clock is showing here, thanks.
9:14:42
